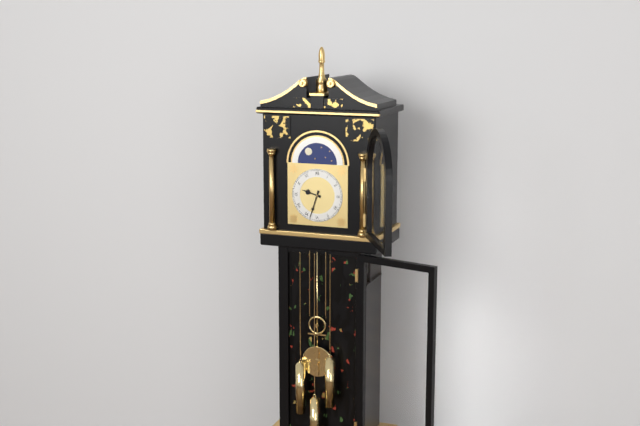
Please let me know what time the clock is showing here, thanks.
9:33
